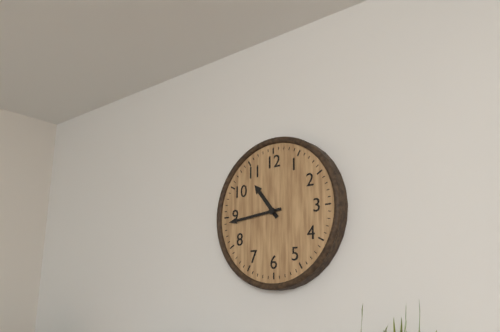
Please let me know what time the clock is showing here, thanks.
10:44
